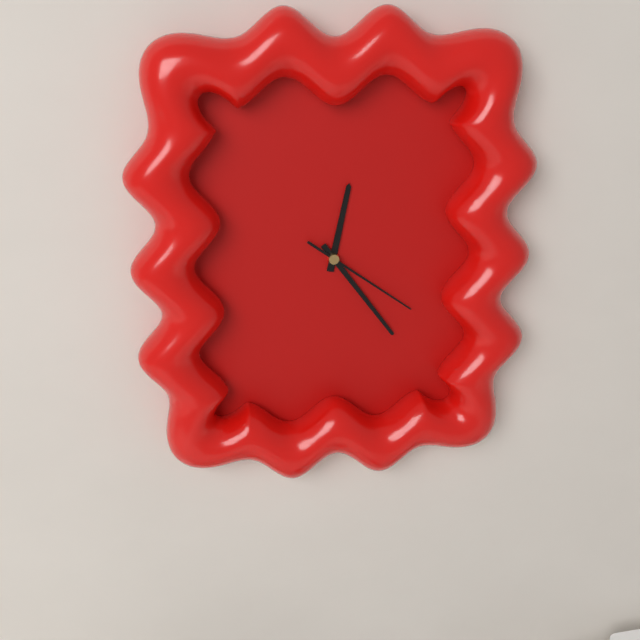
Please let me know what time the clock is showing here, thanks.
12:24:21
